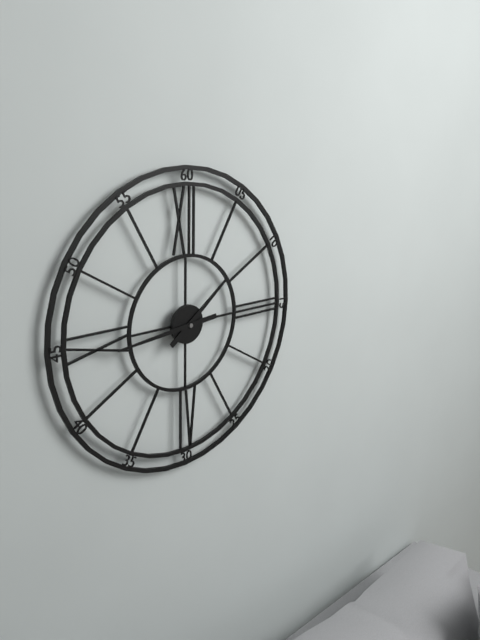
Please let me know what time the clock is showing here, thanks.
1:44
